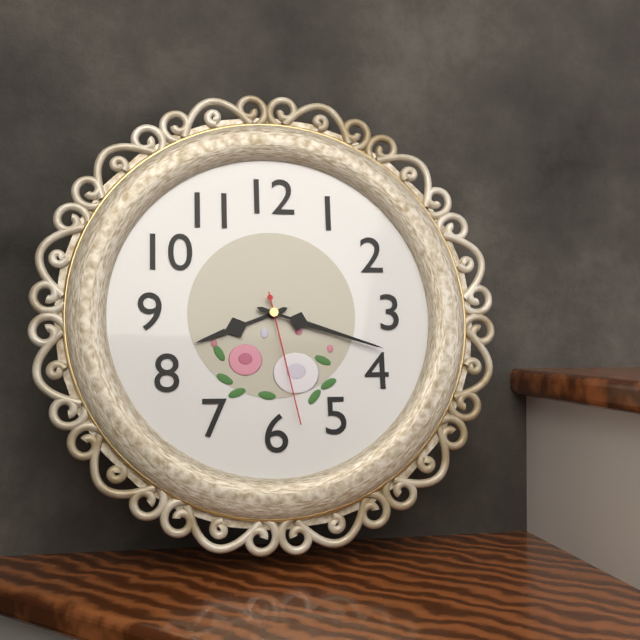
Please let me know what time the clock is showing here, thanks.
8:18:28
